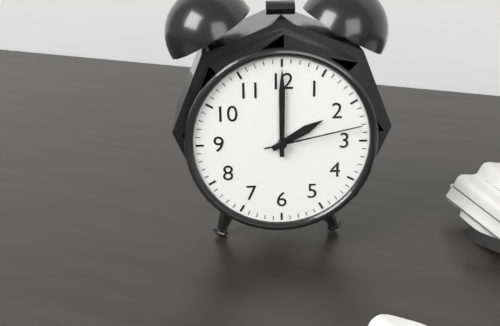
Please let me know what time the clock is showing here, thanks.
2:00:13
